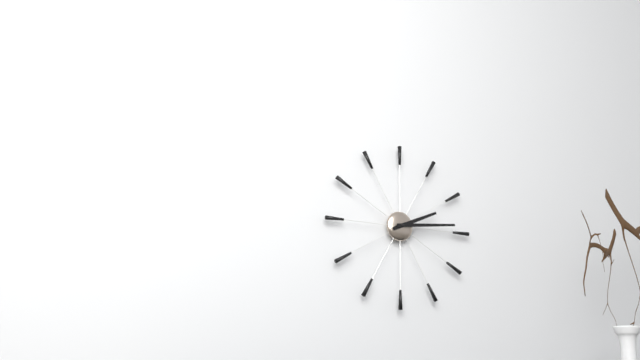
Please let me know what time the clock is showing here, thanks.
2:14
